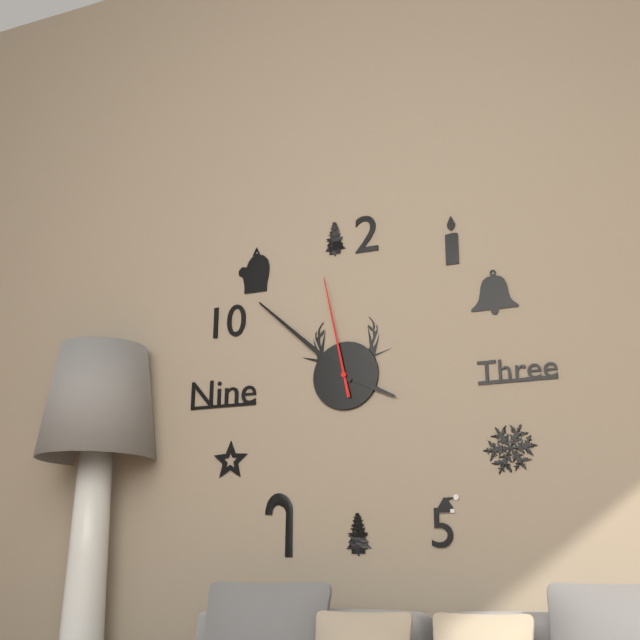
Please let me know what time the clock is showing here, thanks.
3:52:58
